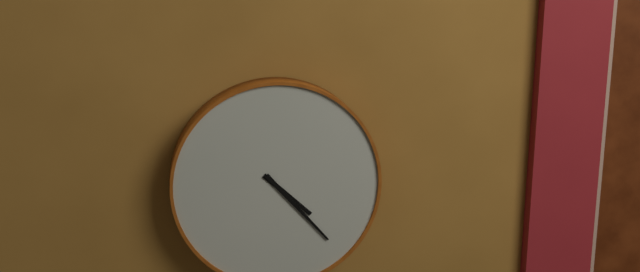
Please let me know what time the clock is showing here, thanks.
4:23
